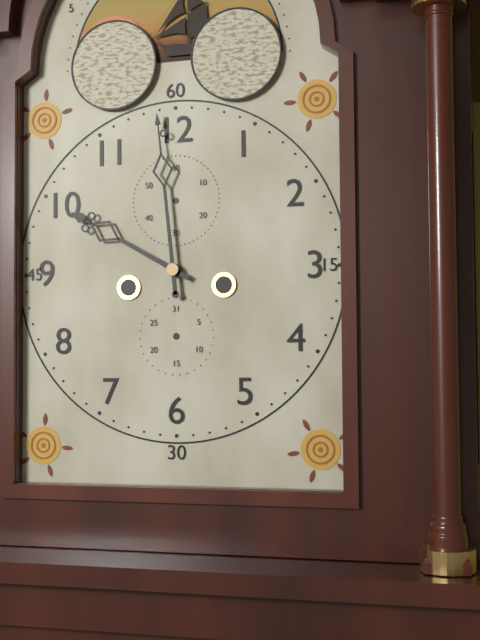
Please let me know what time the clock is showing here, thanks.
9:59
